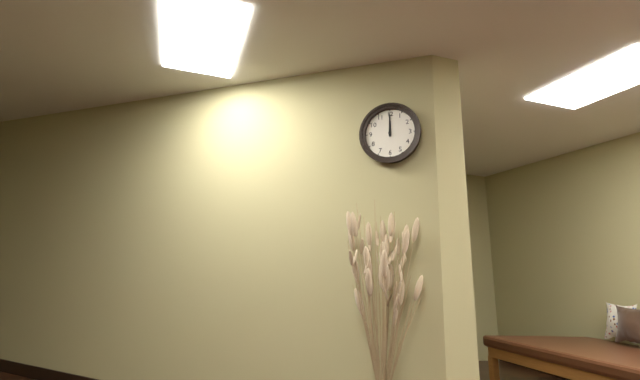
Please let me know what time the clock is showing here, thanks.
12:00
